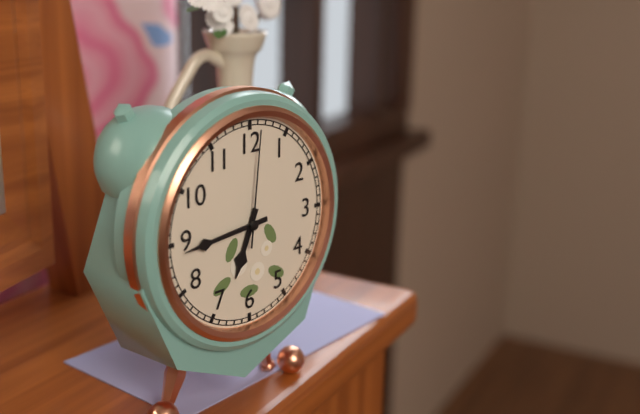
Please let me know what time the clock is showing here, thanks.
6:44:01
